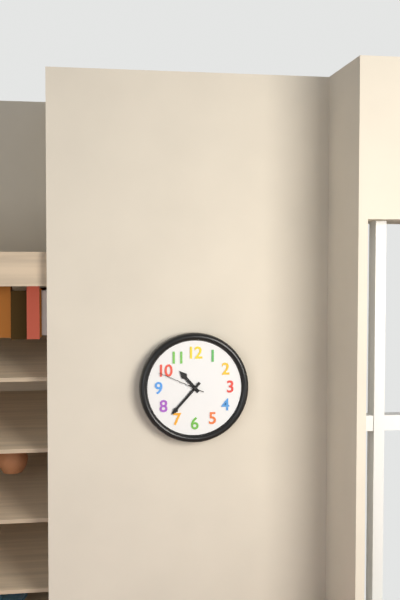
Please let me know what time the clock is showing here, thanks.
10:37
